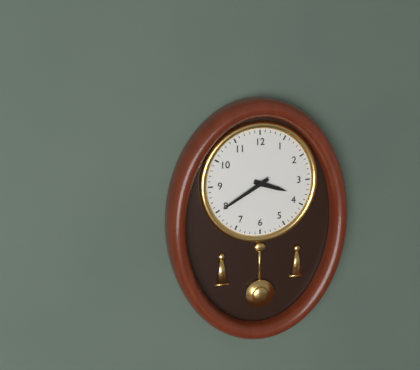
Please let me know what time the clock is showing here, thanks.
3:40
